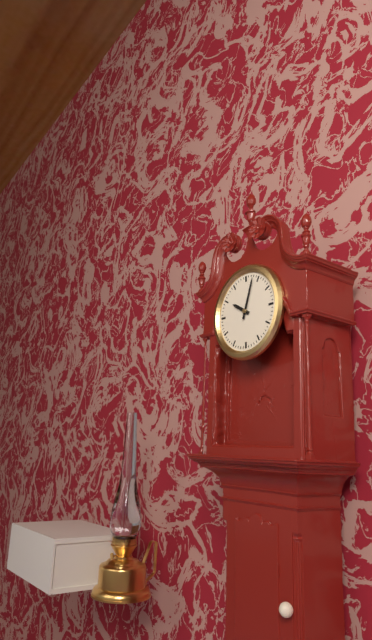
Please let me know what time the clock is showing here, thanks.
10:03
